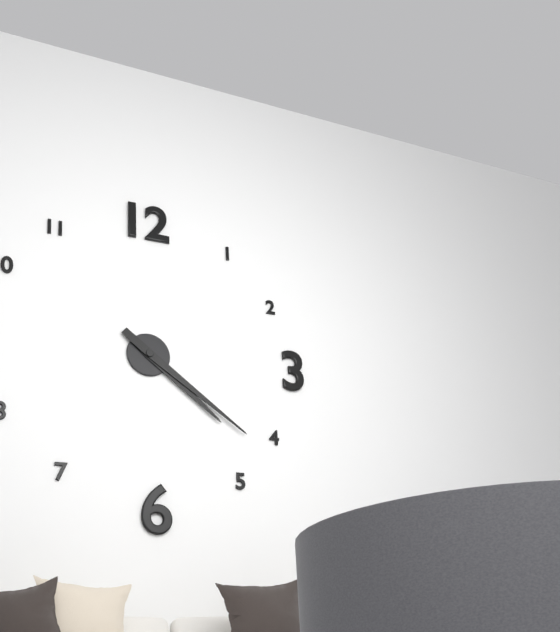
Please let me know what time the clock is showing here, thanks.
4:21
